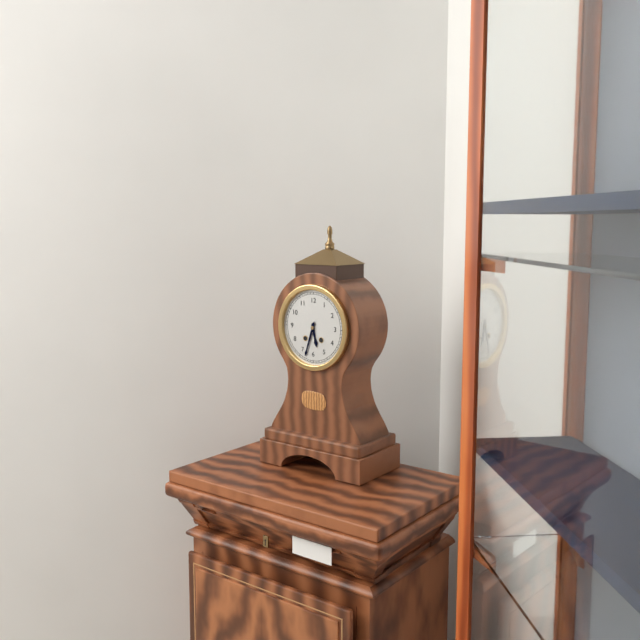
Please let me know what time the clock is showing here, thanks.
5:33
